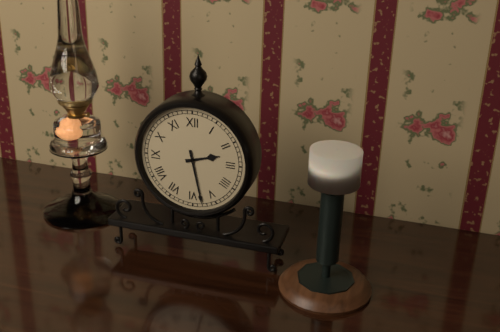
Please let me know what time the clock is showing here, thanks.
2:28
